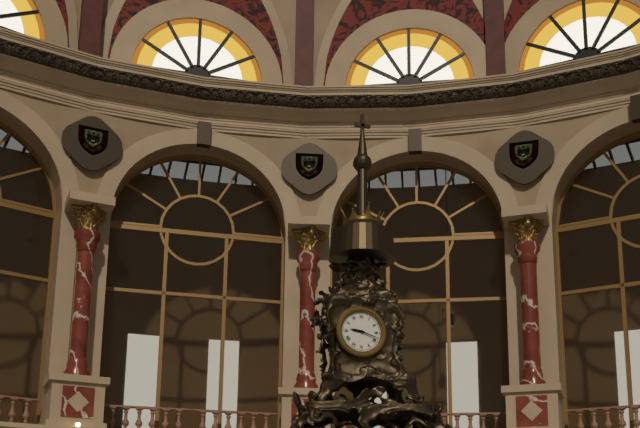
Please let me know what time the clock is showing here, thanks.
9:18
